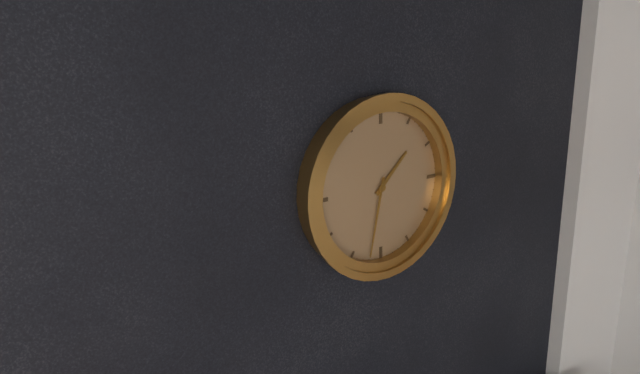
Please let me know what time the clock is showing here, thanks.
1:32
